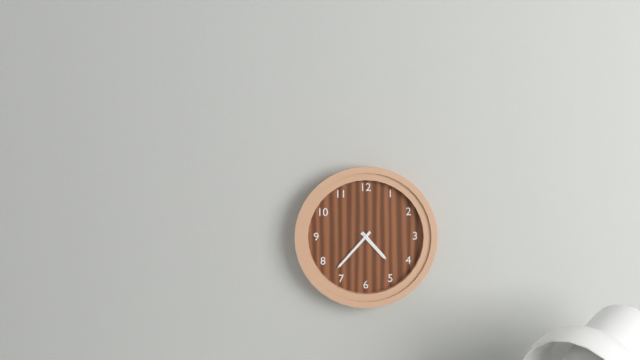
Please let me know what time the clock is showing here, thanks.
4:37
